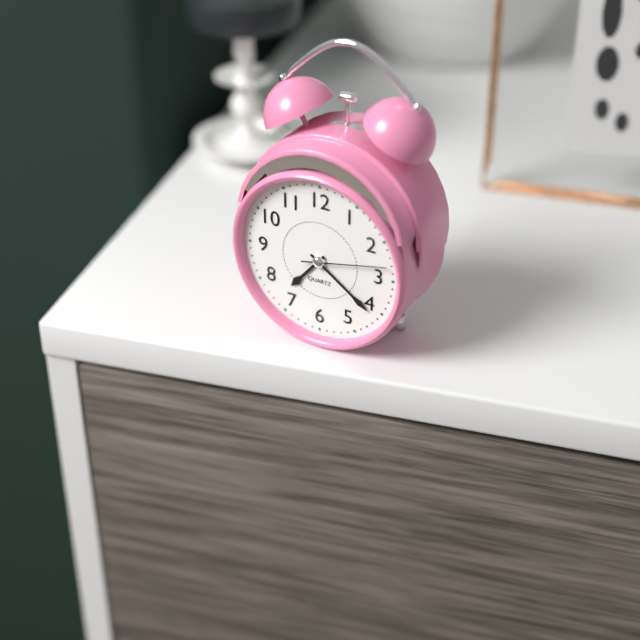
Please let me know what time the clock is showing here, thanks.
7:21:13
